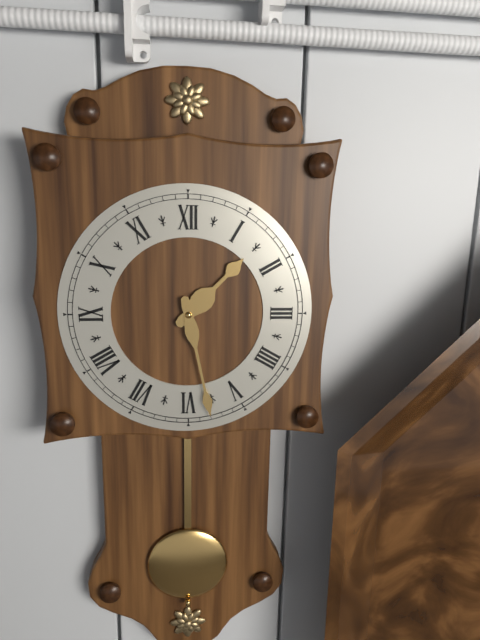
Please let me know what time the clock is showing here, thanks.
1:28
